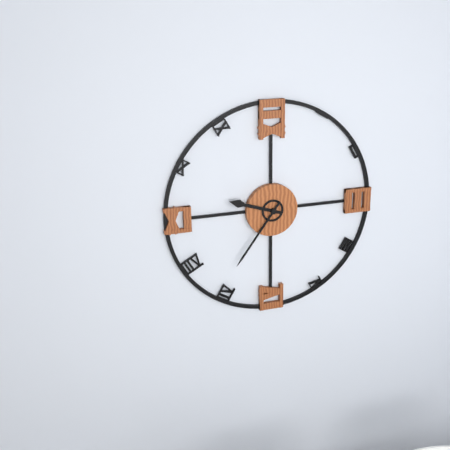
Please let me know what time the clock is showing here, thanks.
9:36
